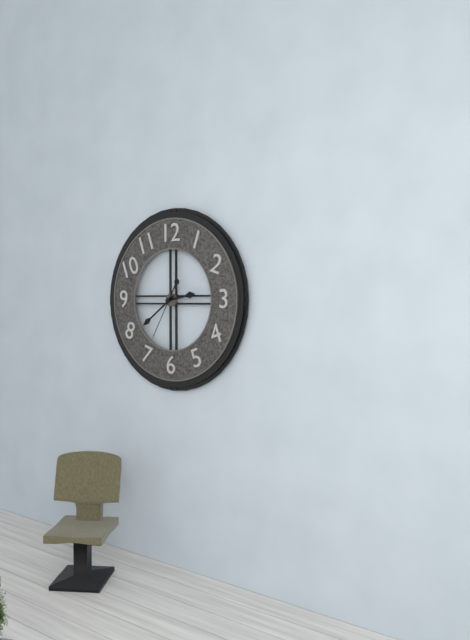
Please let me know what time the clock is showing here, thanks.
2:39:35
